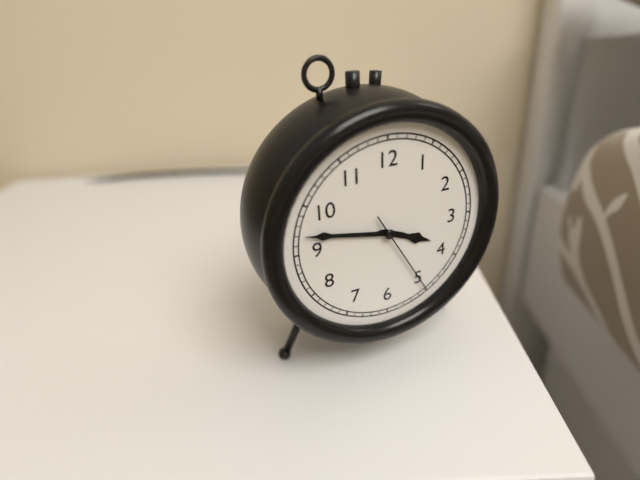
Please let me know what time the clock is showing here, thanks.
3:47:25
